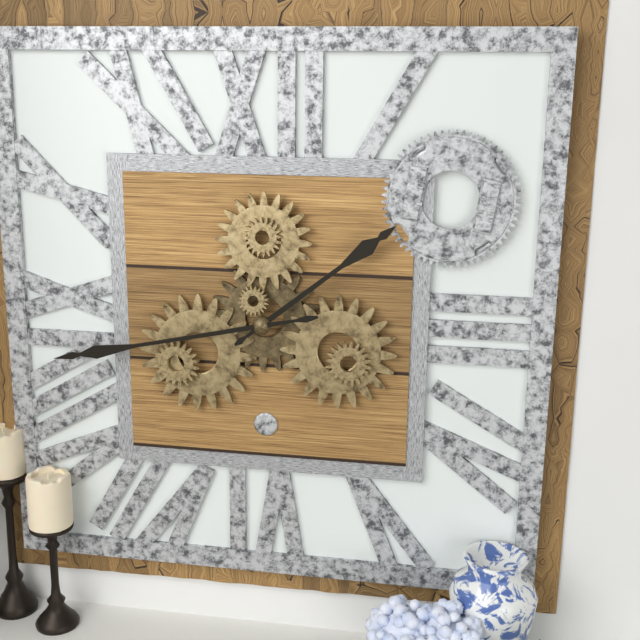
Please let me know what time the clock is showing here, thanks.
1:43
